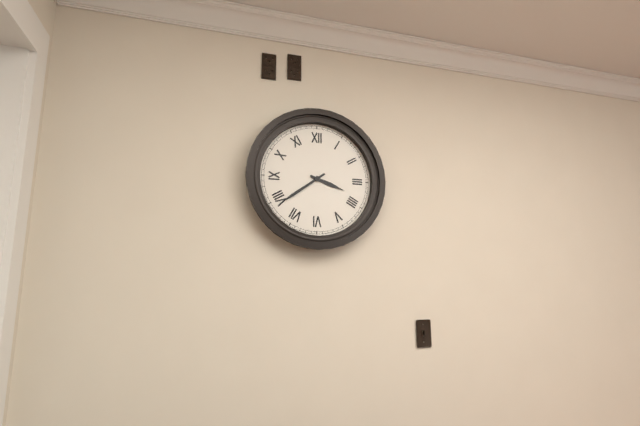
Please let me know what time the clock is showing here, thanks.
3:39
